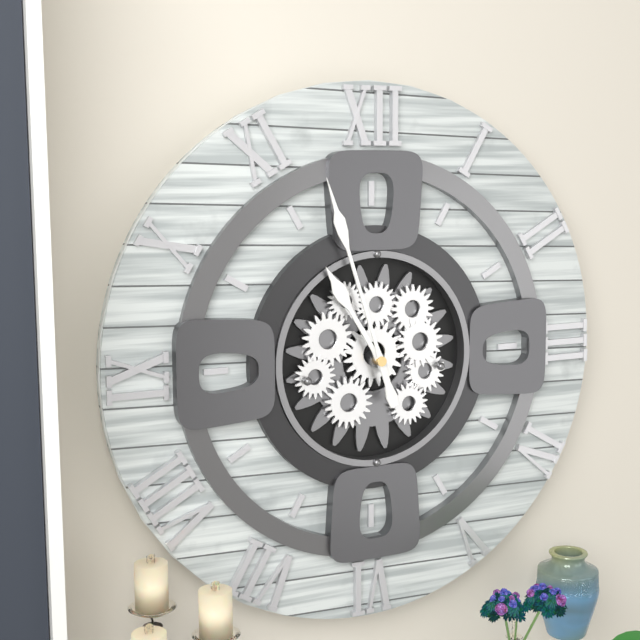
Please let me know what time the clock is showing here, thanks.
10:57
